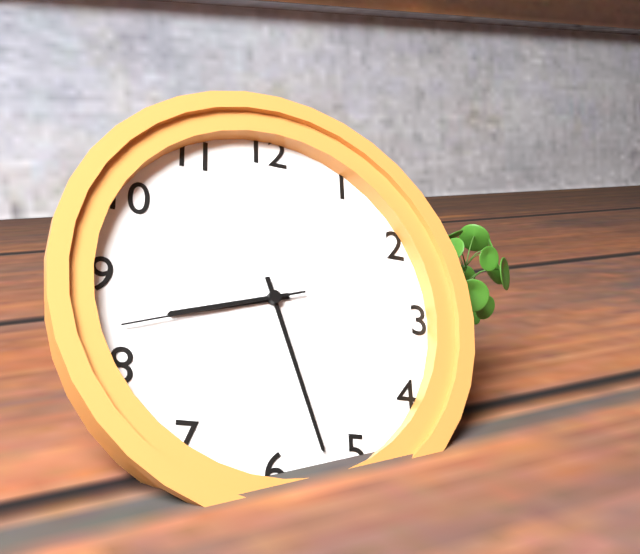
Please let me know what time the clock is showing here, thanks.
8:27:42
